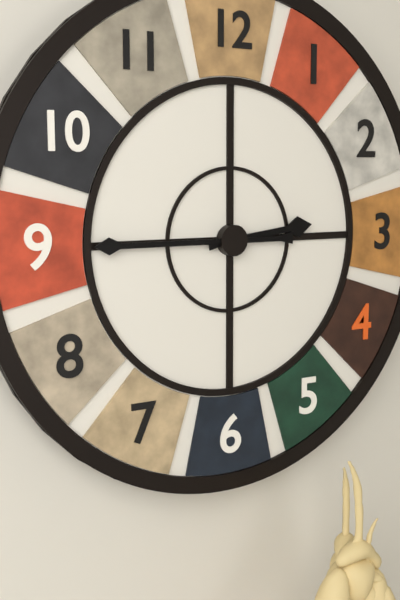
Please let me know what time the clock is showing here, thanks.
2:45
